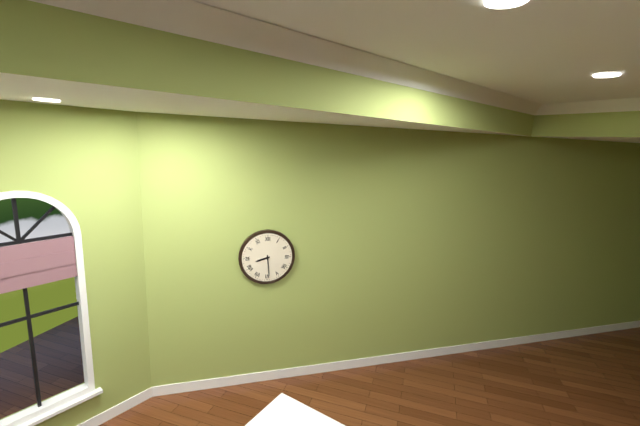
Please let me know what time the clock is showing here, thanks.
8:29
